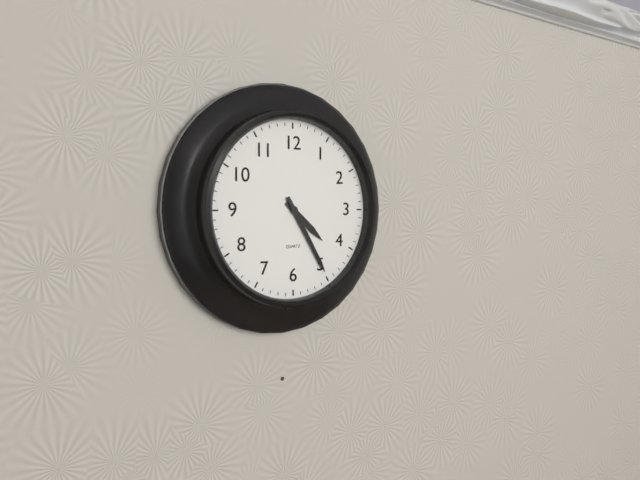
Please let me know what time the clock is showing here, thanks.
4:25
